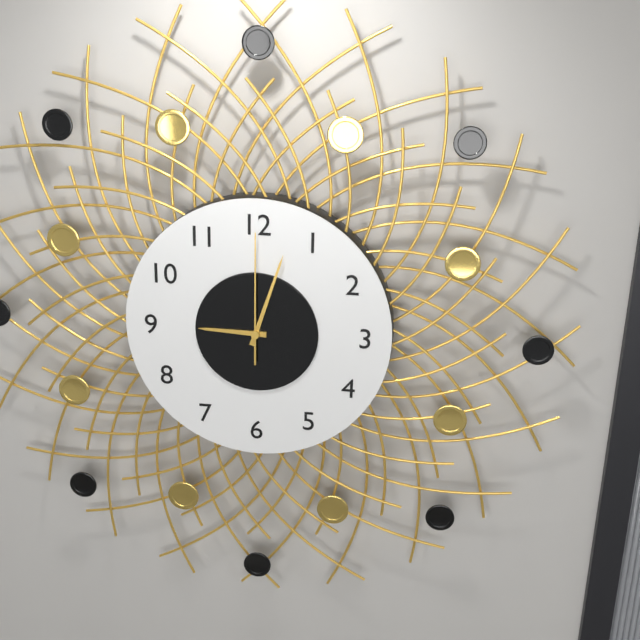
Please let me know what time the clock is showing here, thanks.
9:03:00
